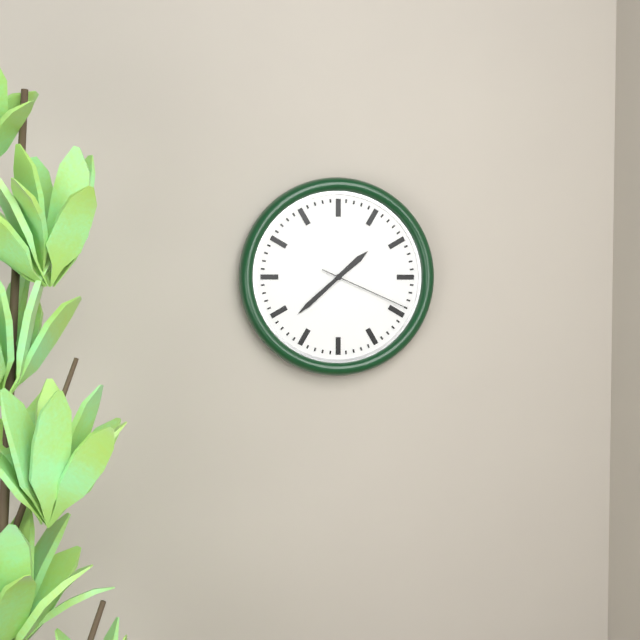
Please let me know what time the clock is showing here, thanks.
1:38:19
